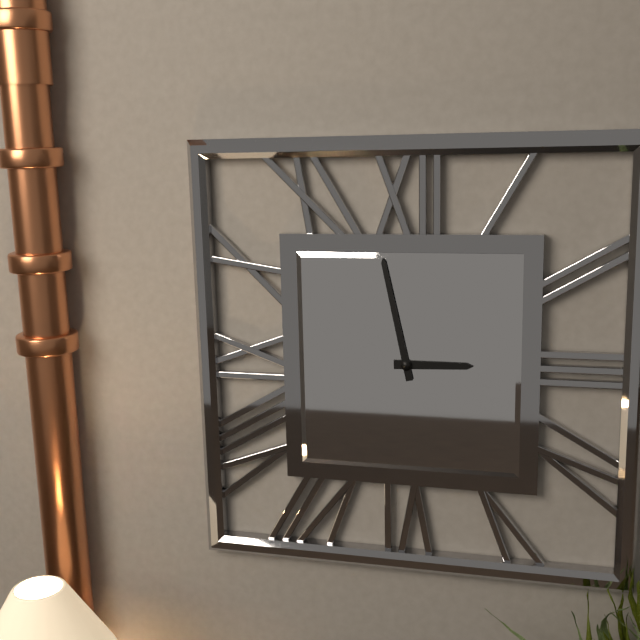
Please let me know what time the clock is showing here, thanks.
2:58
